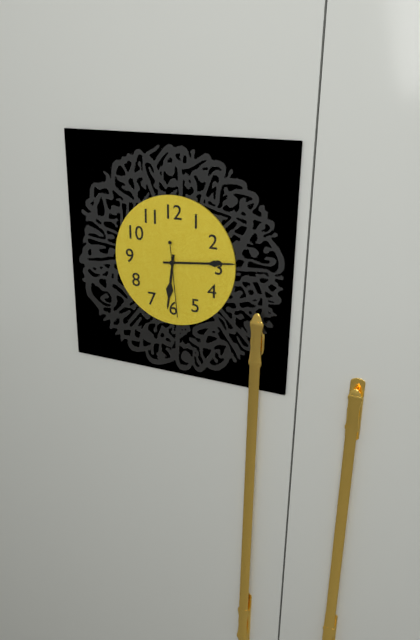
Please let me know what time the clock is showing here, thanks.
6:14:29
